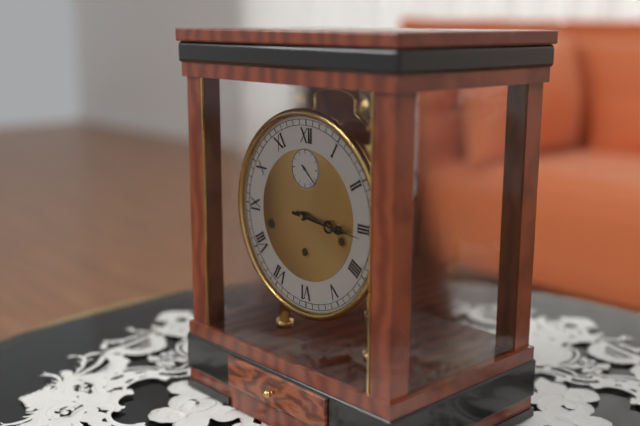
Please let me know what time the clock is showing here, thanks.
3:16
